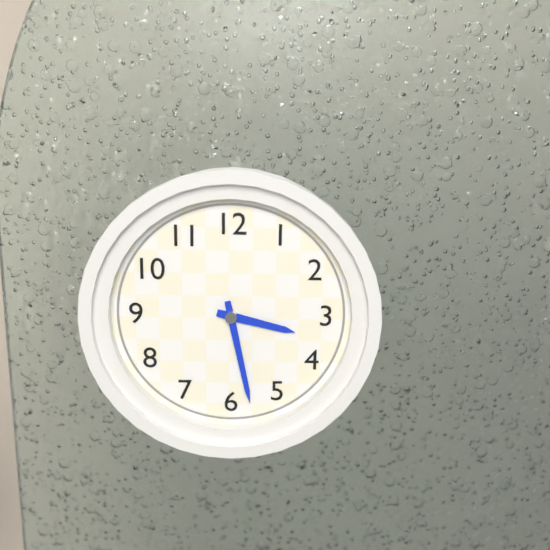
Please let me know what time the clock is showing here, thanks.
3:28
